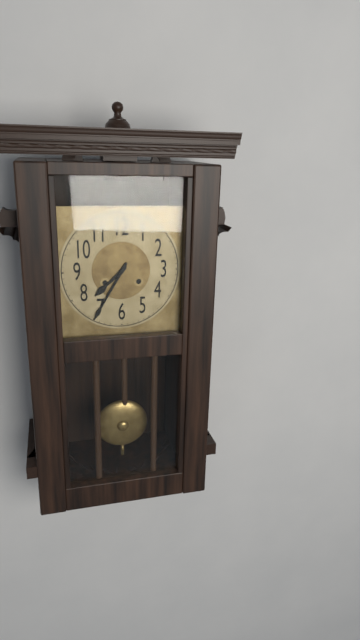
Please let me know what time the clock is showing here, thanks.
7:35
